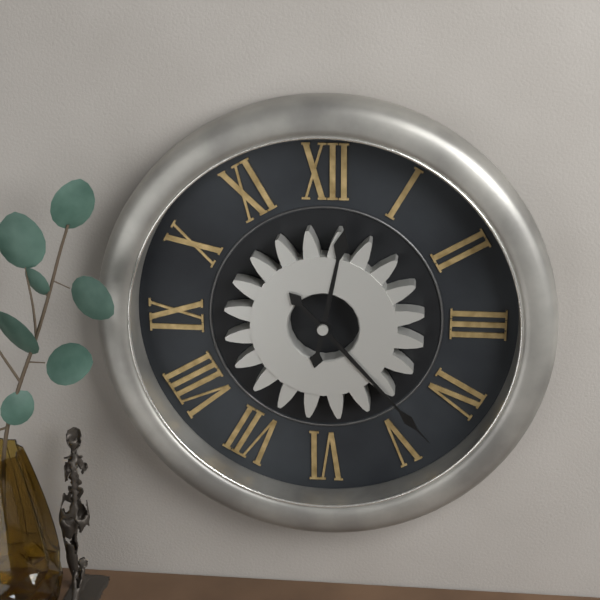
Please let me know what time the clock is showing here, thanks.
12:23
